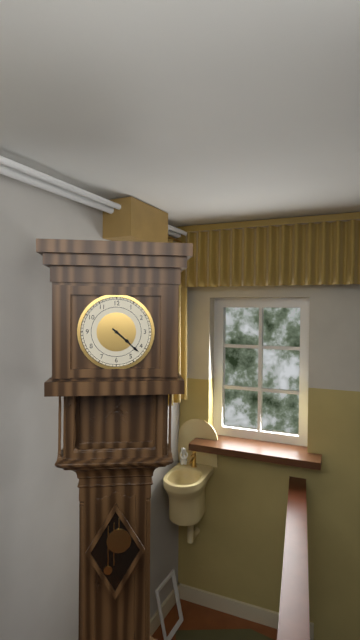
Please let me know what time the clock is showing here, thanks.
4:22
